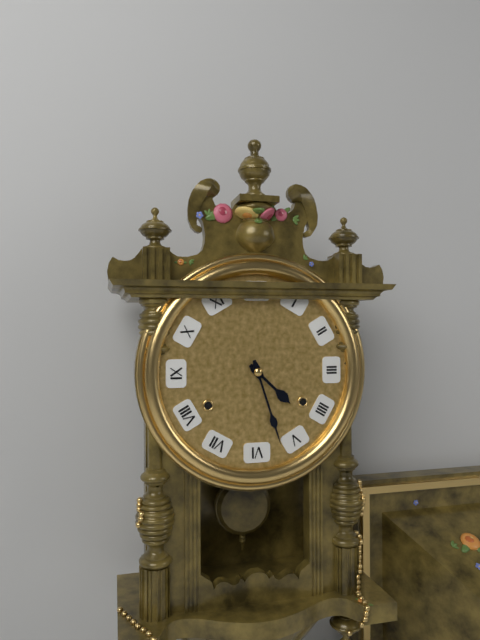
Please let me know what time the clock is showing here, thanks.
4:27
